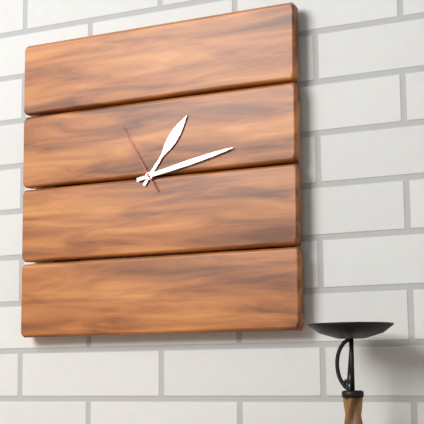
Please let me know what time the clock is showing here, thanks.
1:13:55
